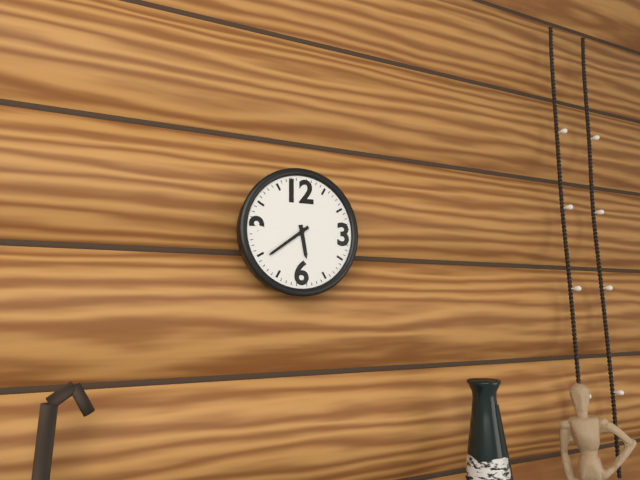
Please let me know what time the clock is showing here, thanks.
5:39
